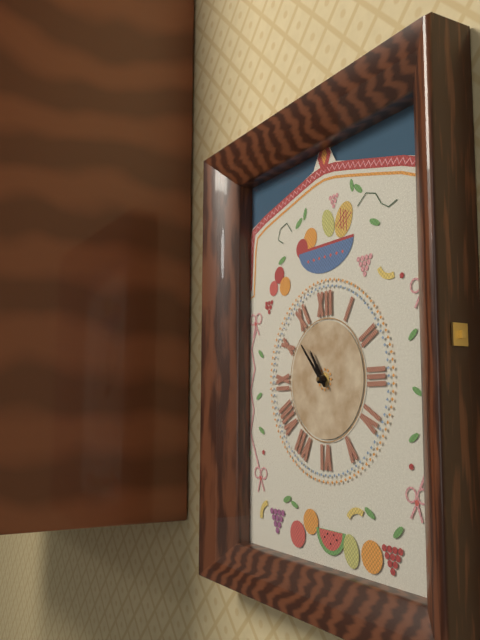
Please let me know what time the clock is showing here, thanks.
10:53
